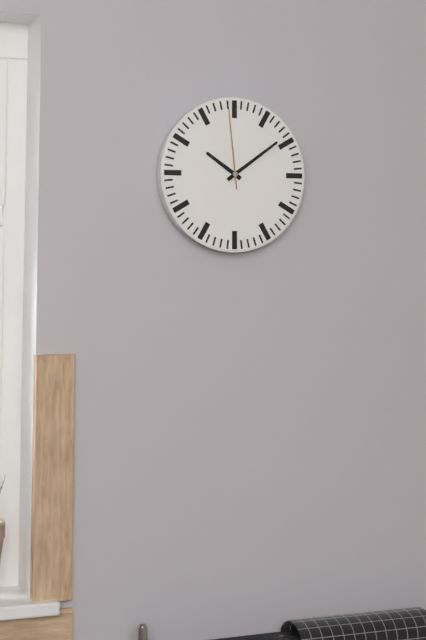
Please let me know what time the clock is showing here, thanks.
10:09:59
